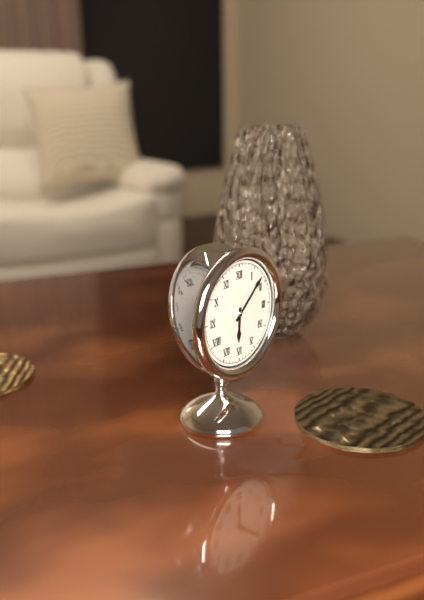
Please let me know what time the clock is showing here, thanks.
6:08
